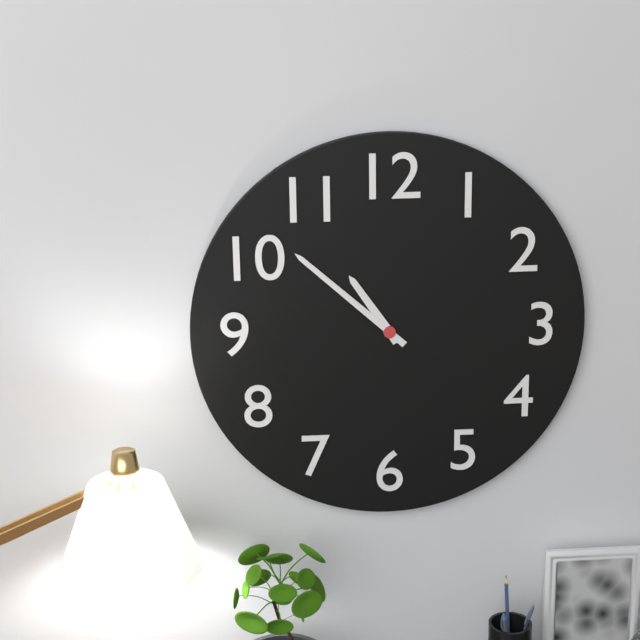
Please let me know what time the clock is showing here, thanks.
10:52
